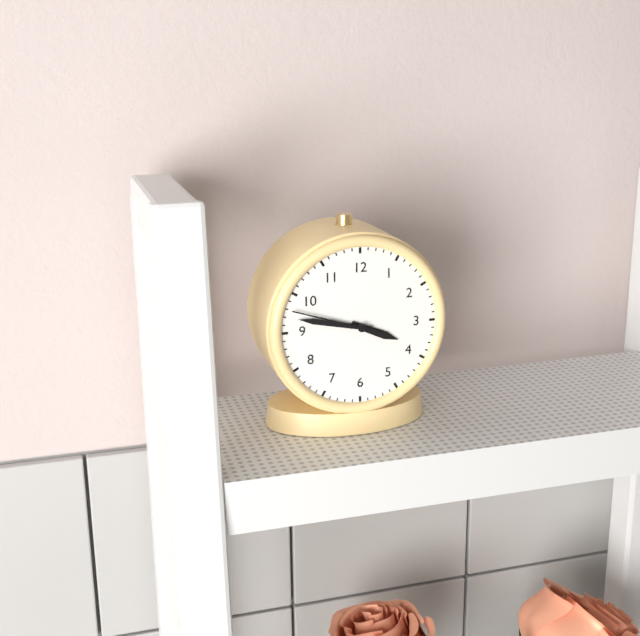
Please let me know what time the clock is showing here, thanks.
3:47:48
